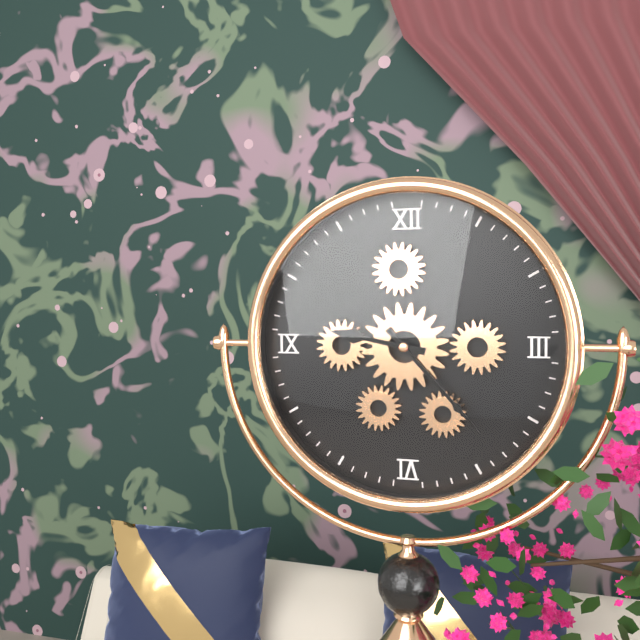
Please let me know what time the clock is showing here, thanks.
9:23
